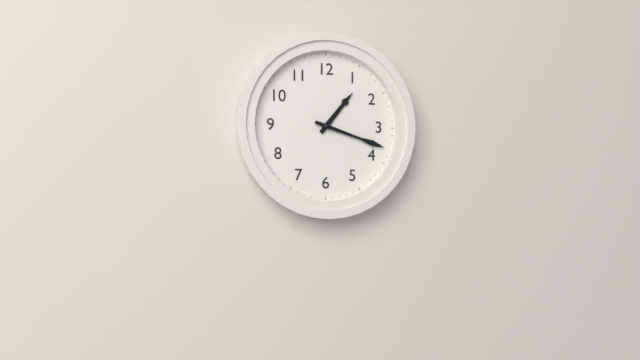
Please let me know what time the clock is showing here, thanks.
1:18
